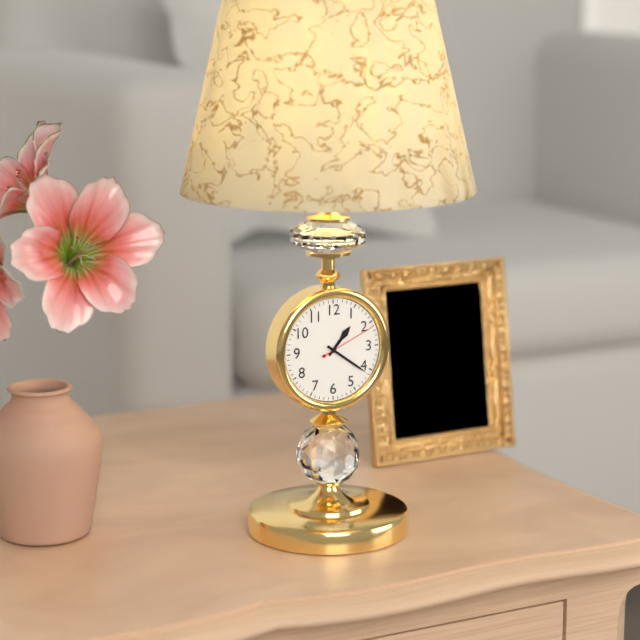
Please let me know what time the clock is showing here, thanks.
1:21:11
